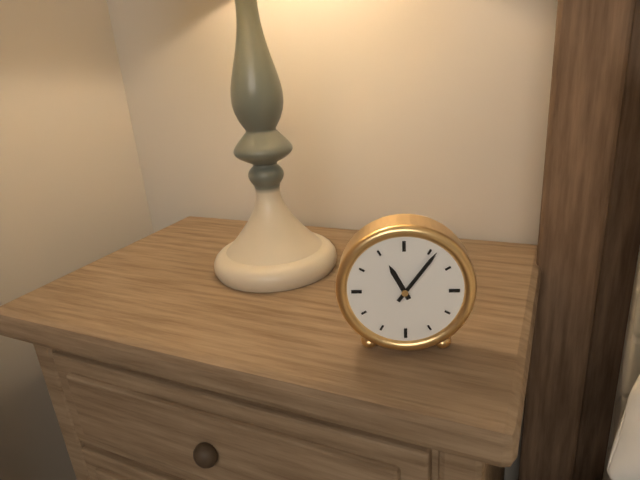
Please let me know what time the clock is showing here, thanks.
11:06
